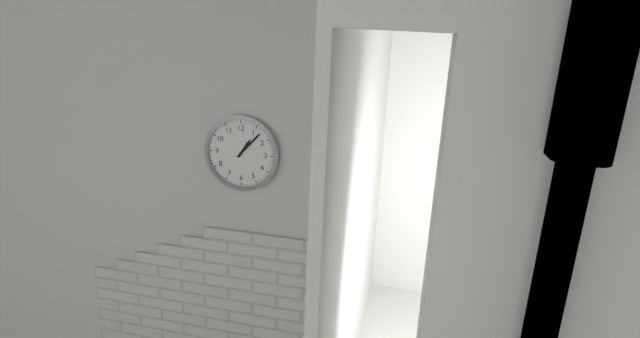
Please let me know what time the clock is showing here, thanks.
1:07
